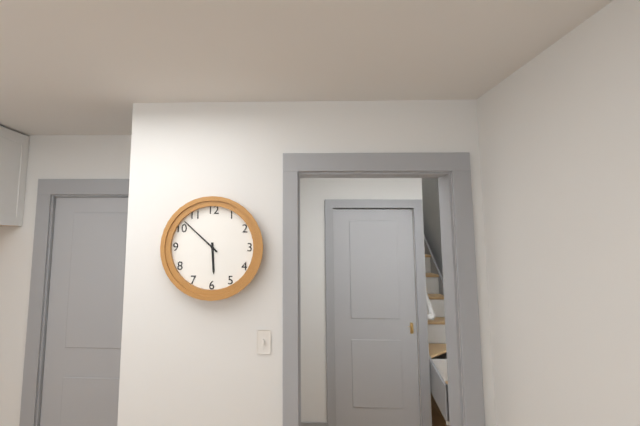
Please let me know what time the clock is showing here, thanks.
5:52
